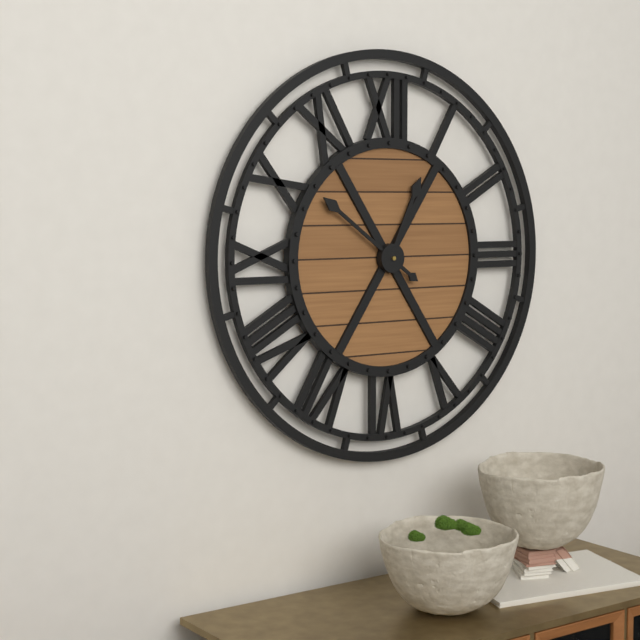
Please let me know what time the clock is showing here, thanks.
12:51
